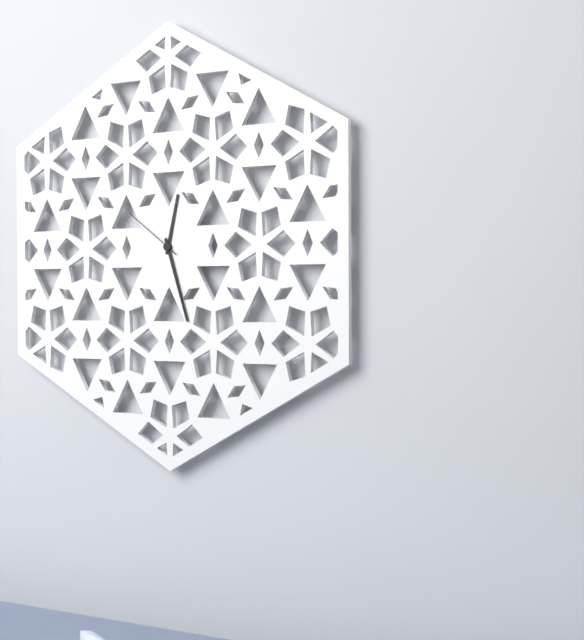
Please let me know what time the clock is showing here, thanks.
12:27:51
